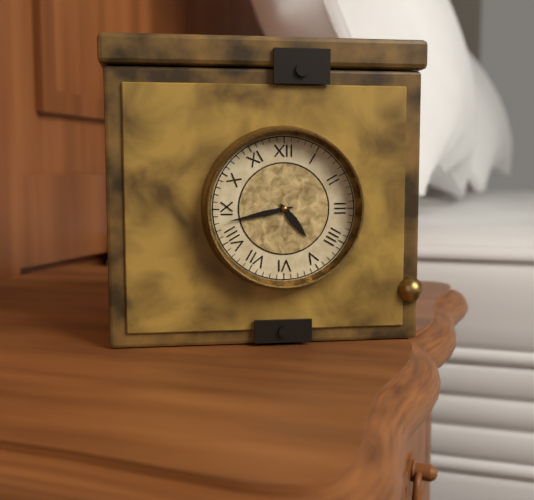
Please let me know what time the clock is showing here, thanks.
4:43
